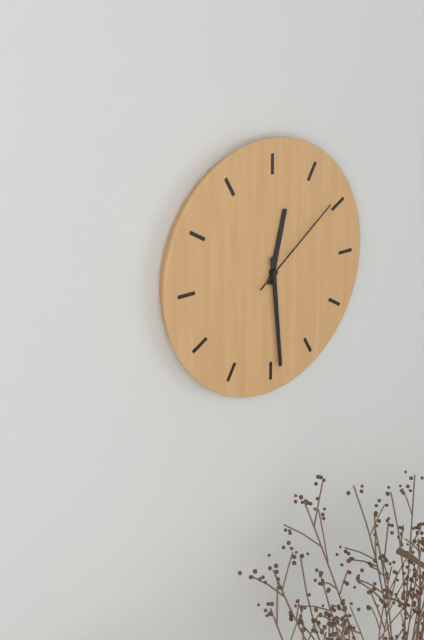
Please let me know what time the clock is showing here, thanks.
12:29:09
